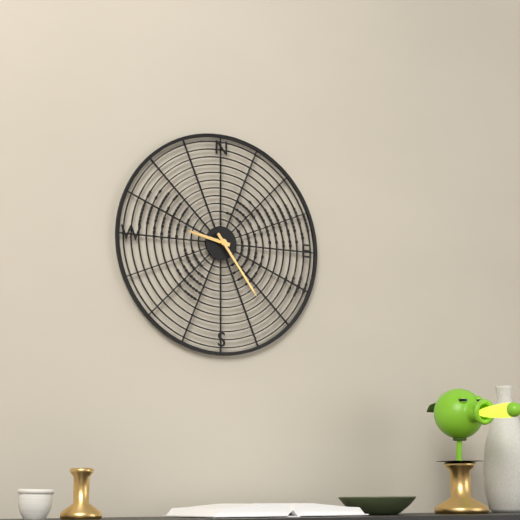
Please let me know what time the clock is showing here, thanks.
9:24
